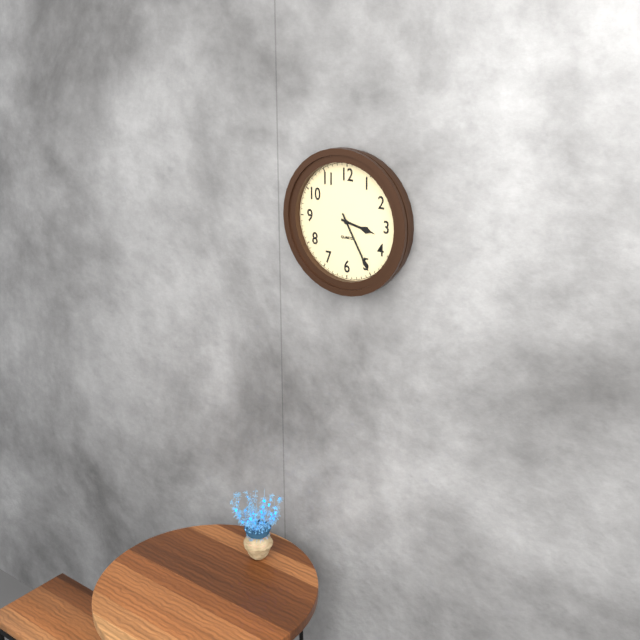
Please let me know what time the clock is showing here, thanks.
3:25
